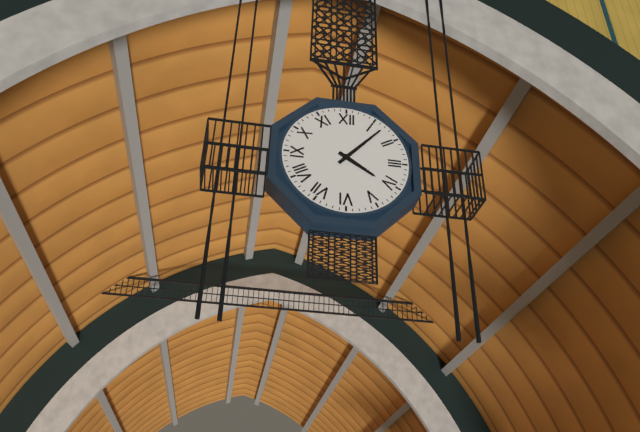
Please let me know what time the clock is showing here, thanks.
4:07
